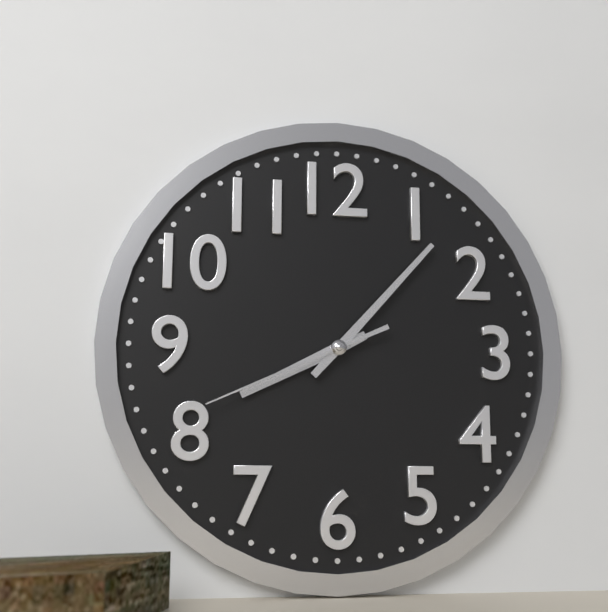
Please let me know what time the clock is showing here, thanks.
8:07:41
